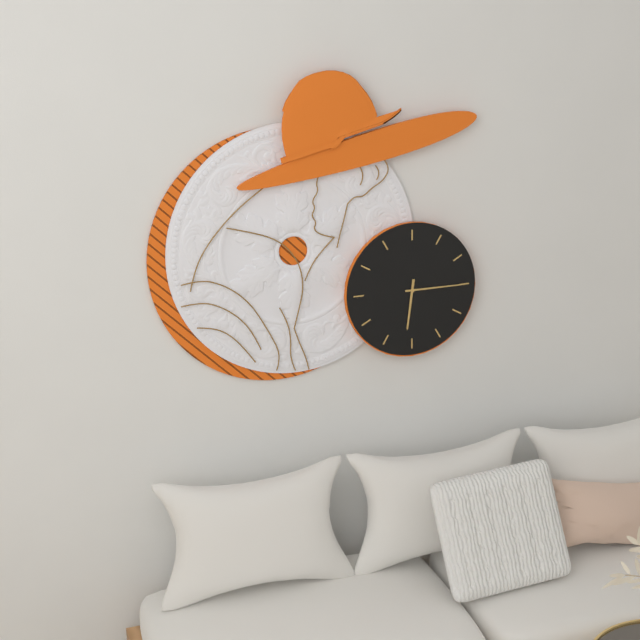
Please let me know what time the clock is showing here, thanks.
6:15
